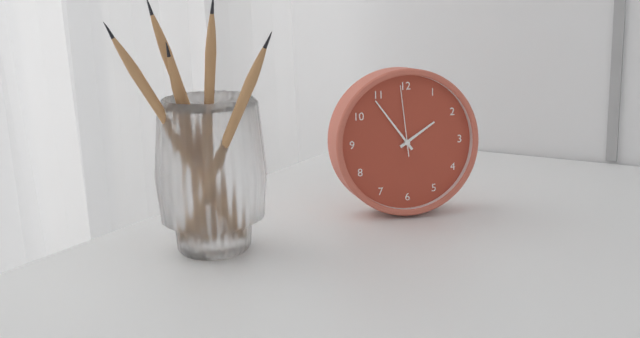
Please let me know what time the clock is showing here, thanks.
1:54:59
